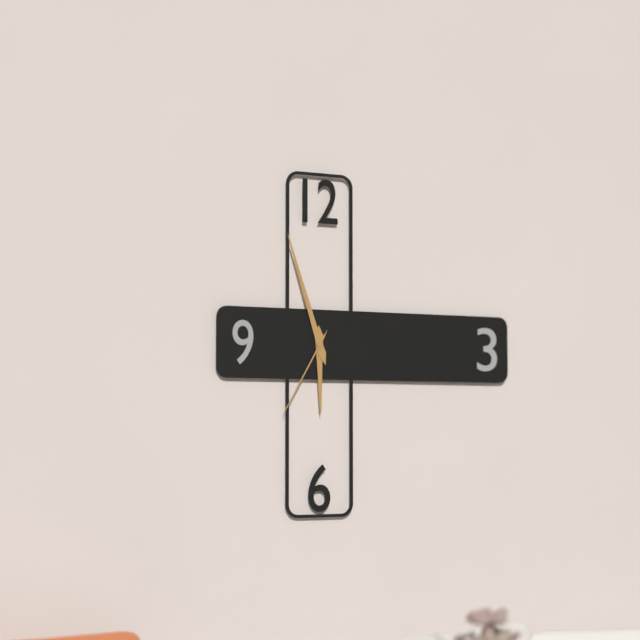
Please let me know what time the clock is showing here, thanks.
5:57:35
